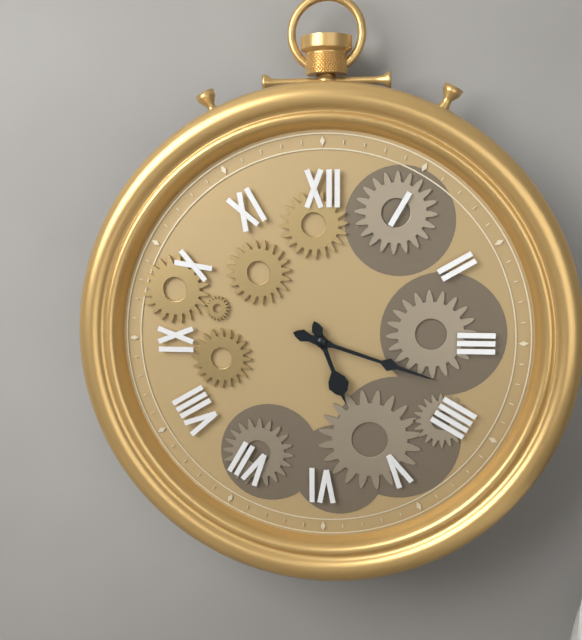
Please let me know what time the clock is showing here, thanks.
5:18
